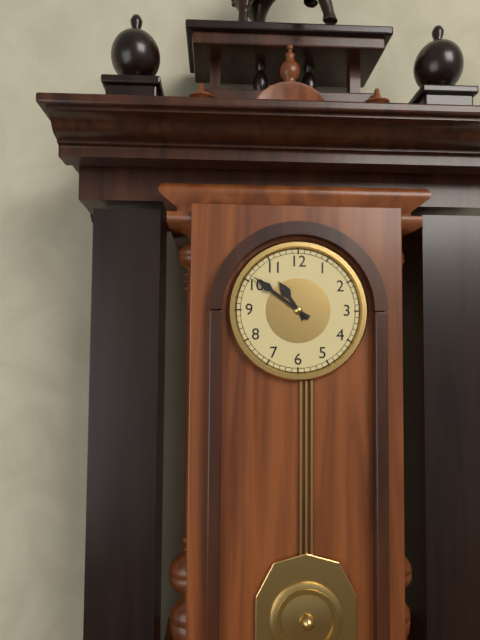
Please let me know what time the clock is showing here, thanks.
10:51
